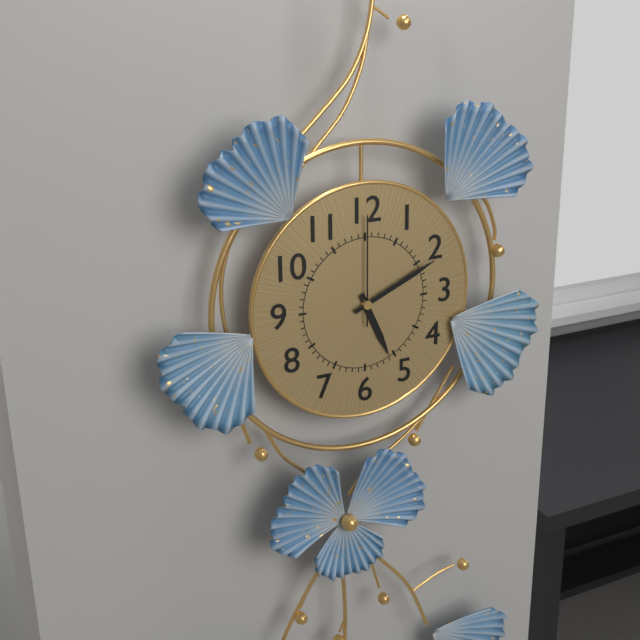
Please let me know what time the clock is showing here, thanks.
5:11:00
